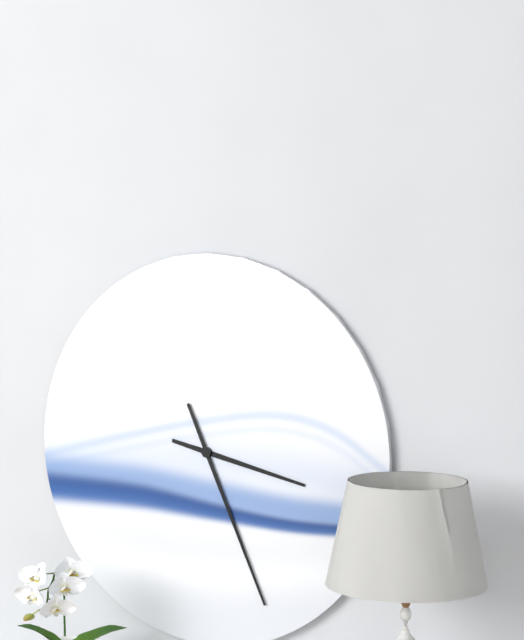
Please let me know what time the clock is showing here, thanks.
3:26
